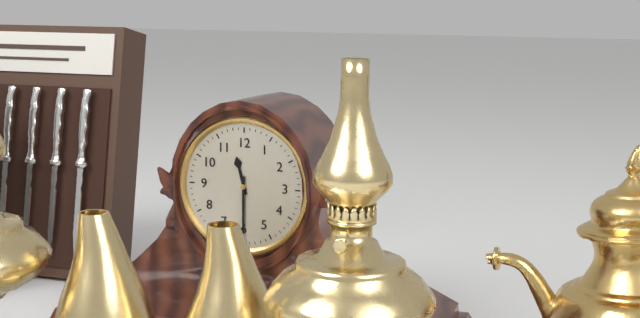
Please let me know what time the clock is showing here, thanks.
11:30
